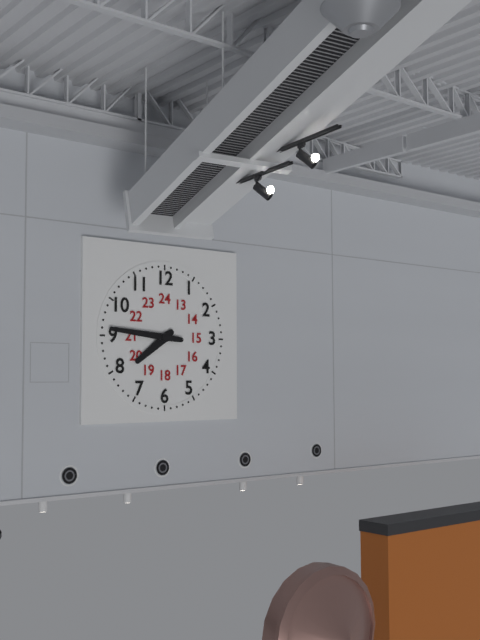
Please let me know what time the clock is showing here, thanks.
7:46
